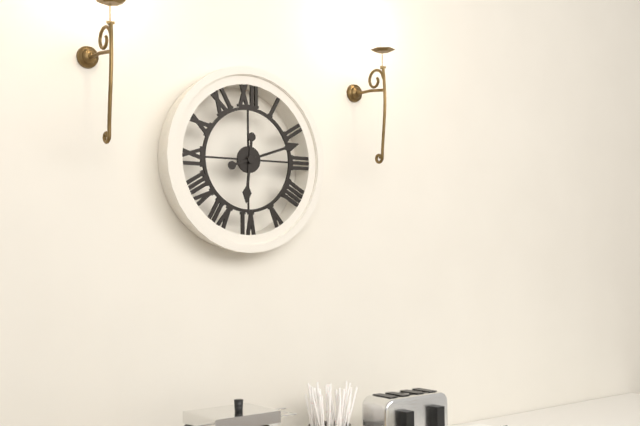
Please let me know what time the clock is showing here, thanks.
6:12
